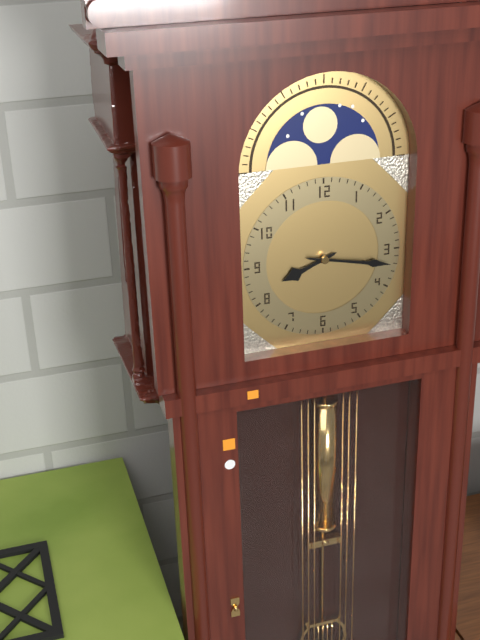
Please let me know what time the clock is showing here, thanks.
8:17
